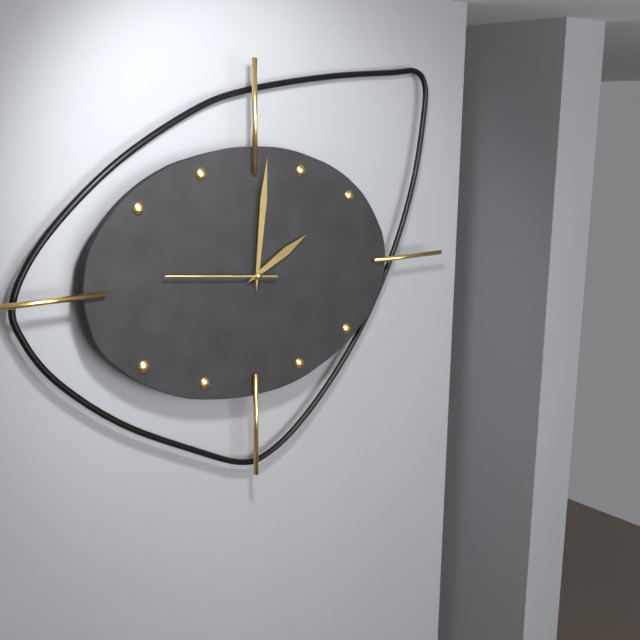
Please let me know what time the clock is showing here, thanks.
2:01:46
